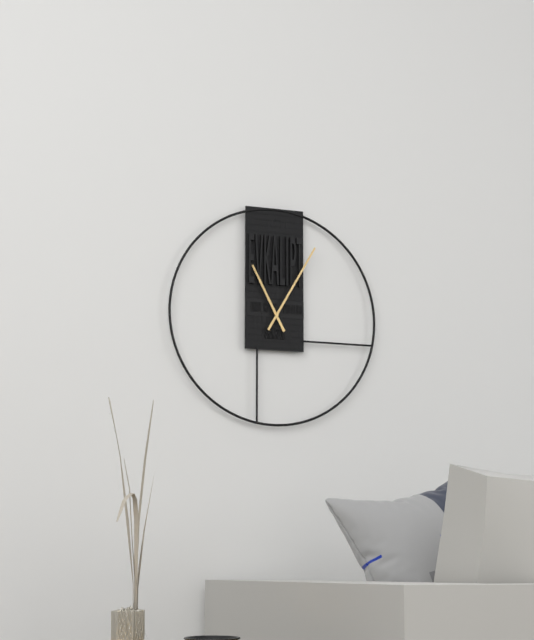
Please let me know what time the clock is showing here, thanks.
11:05
